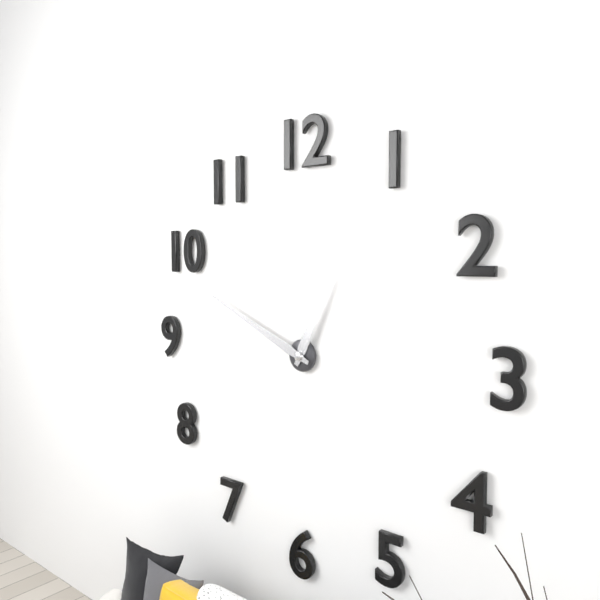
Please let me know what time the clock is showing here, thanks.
12:49
